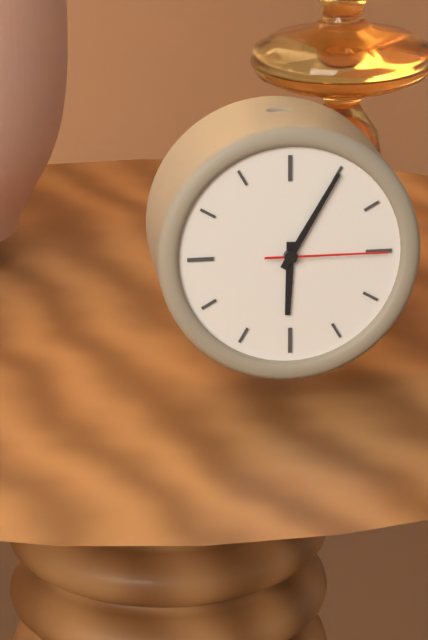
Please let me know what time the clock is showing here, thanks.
6:05:15
